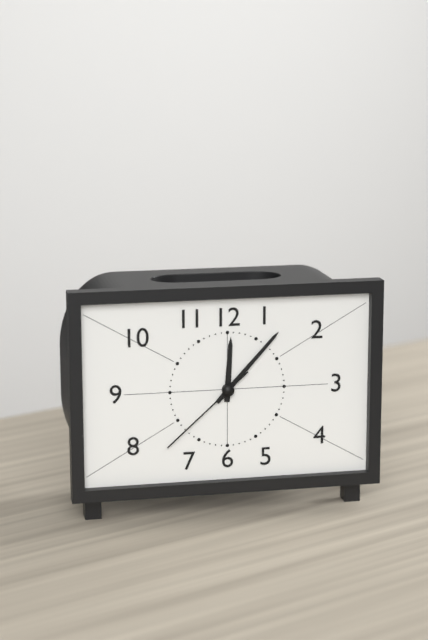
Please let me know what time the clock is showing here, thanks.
12:07:38
